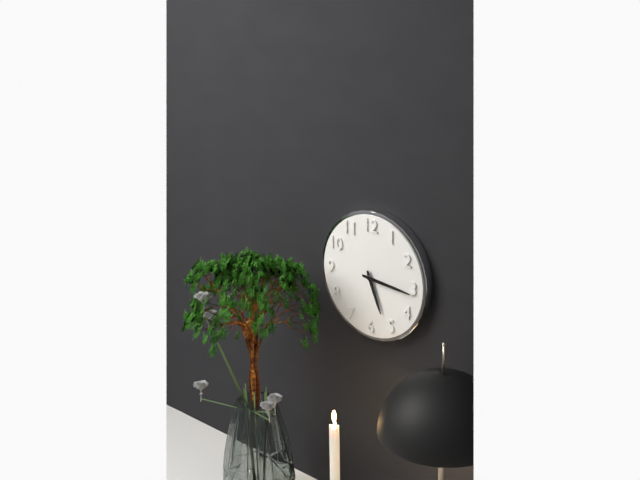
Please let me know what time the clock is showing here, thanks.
5:16
